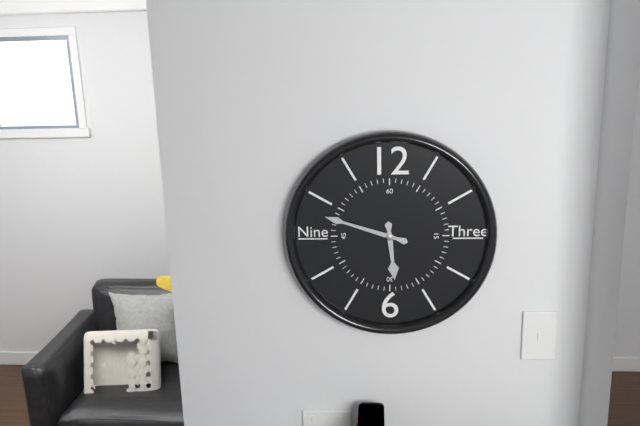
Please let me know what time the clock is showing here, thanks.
5:48
